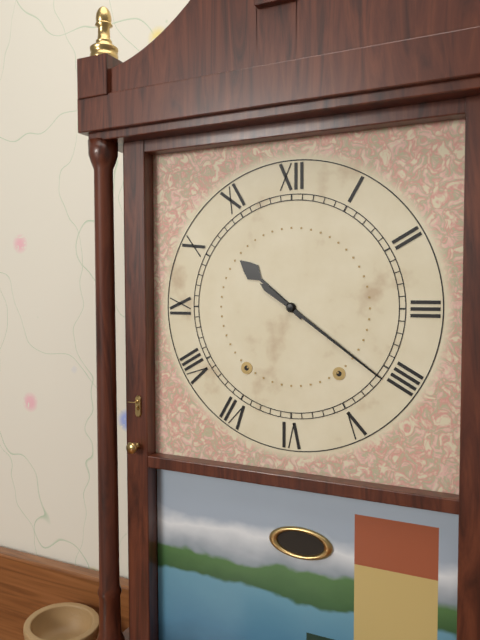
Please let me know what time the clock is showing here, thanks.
10:21
